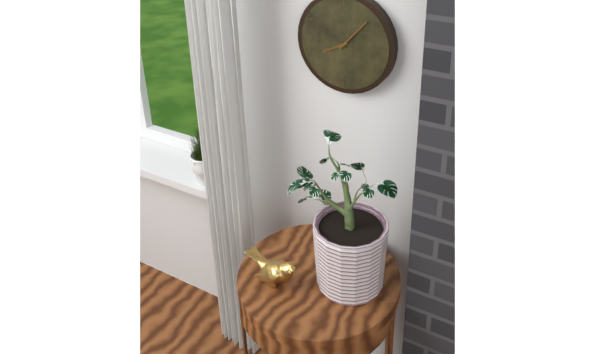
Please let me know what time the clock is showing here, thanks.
8:07
